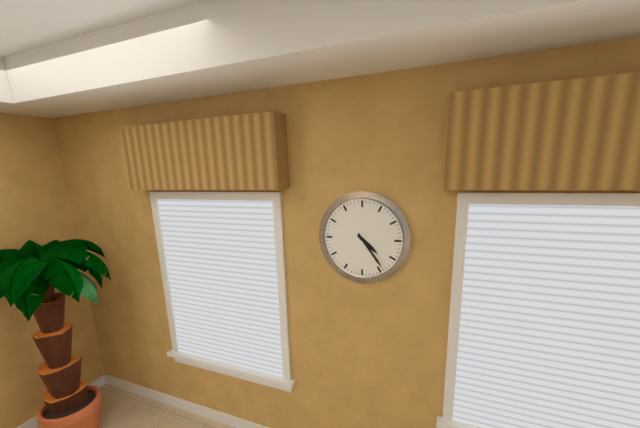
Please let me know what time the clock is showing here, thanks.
4:24
